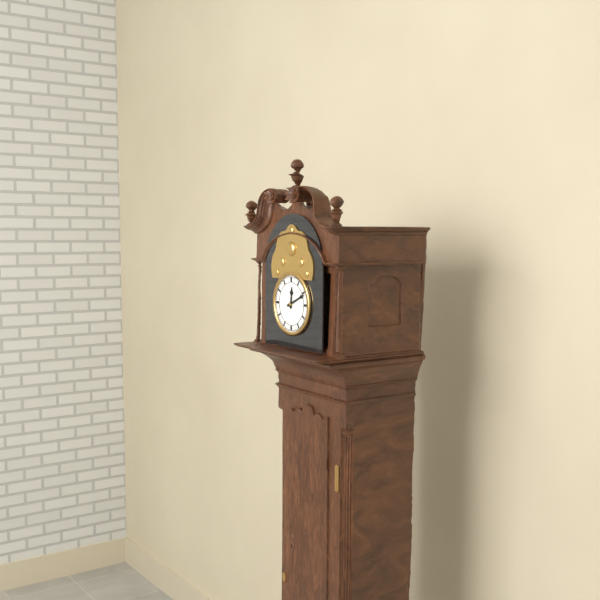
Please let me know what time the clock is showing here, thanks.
12:11
